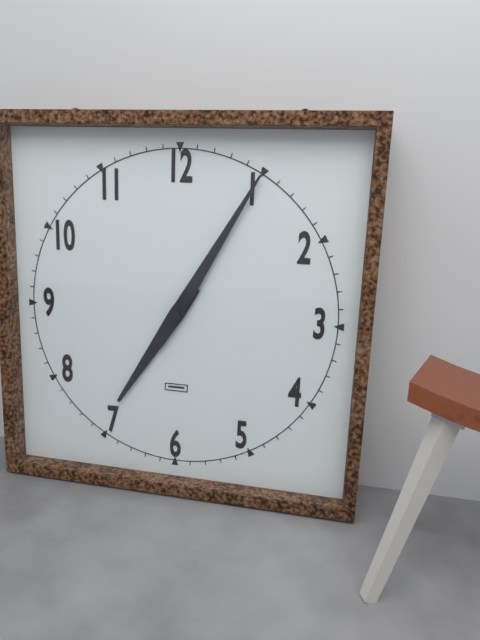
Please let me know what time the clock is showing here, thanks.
7:05
